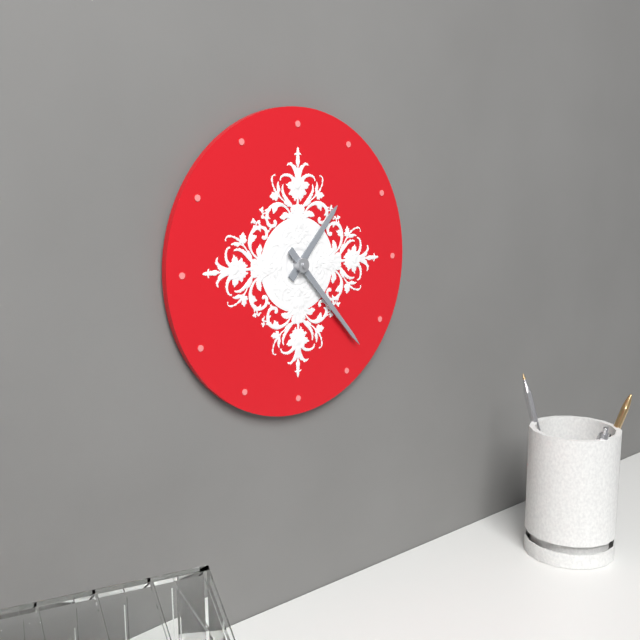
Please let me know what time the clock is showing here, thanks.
1:23
